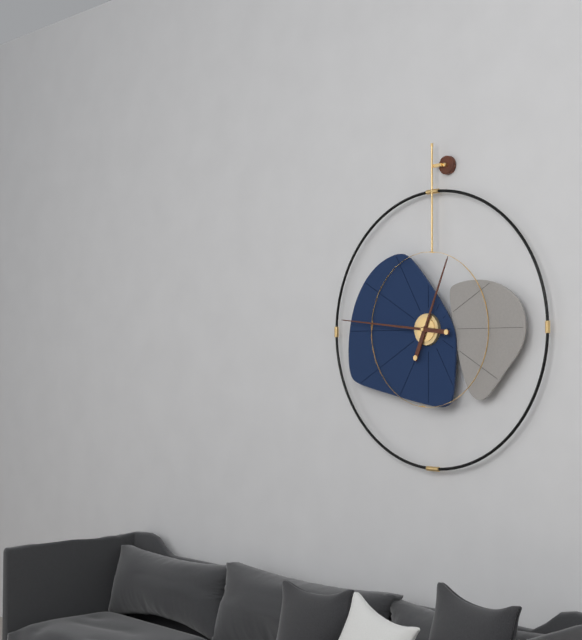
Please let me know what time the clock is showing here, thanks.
12:46
